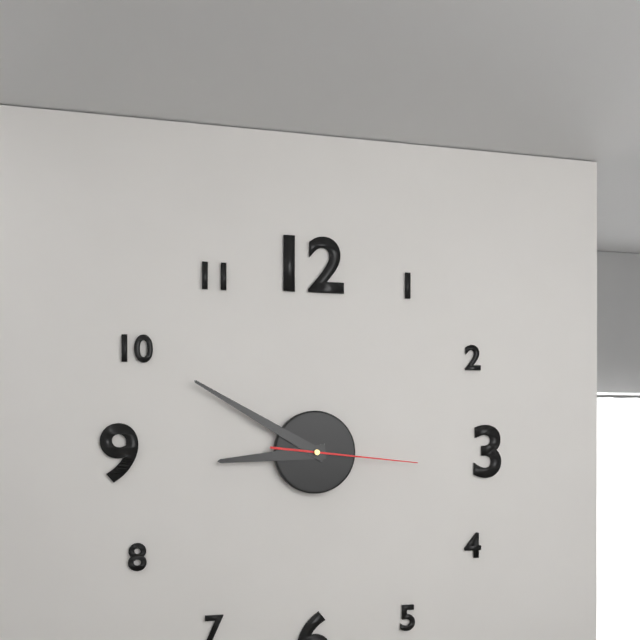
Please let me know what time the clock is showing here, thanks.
8:50:16
